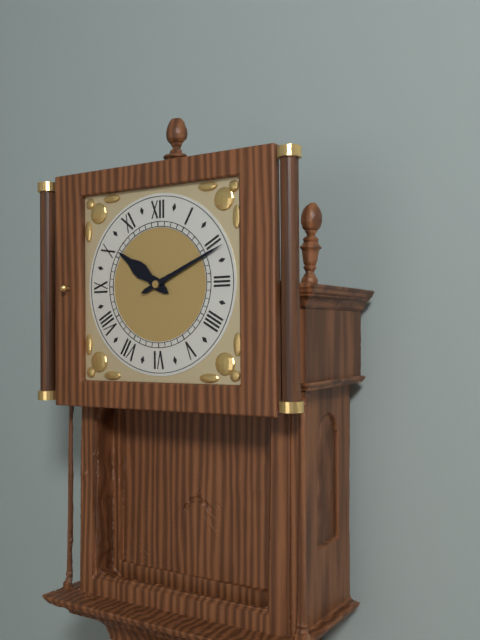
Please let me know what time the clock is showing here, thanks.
10:11
